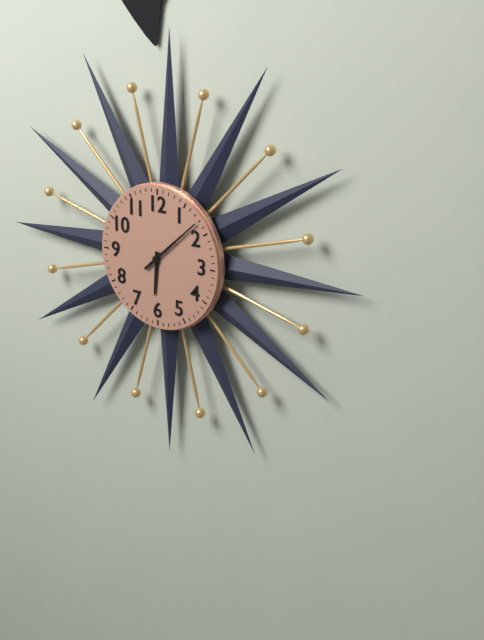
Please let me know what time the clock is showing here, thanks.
6:08
